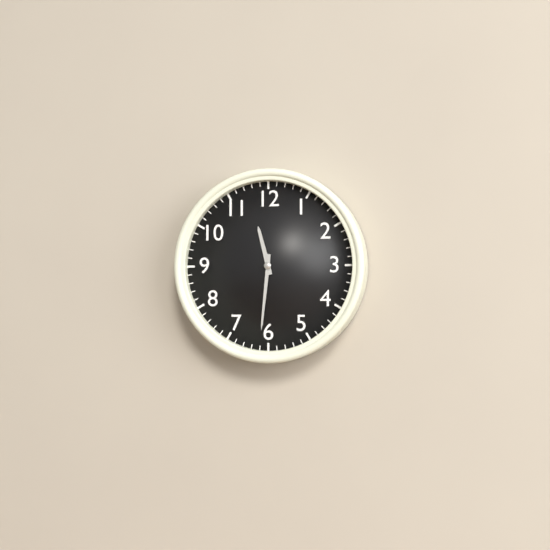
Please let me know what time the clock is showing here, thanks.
11:31
